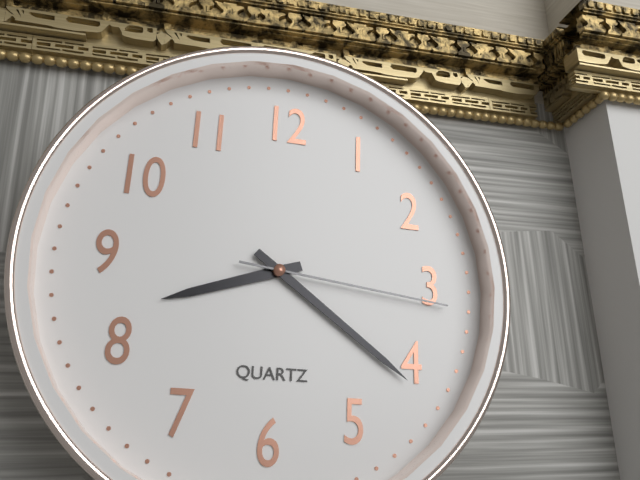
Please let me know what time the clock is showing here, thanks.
8:21:16
